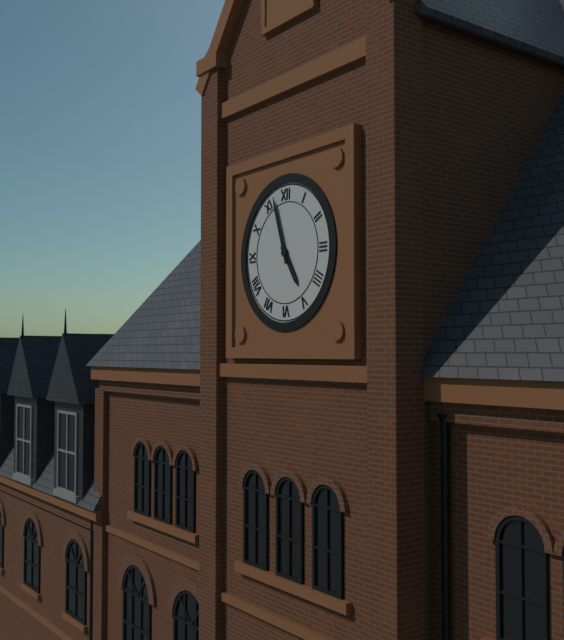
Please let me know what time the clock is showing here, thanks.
4:57
